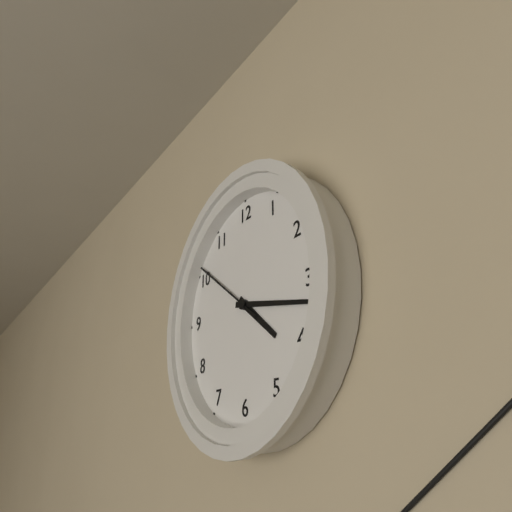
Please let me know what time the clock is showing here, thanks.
4:17:51
